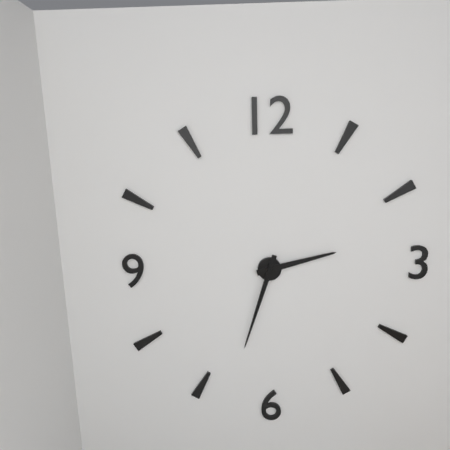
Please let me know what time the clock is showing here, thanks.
2:33
